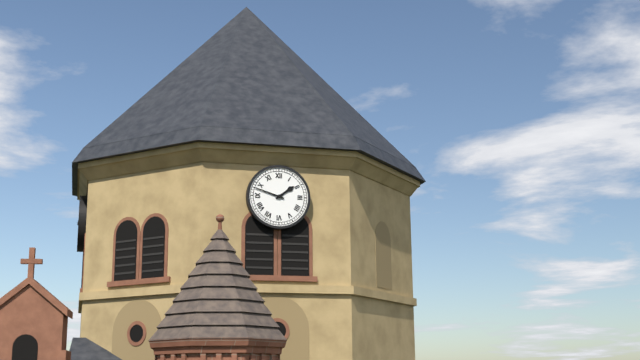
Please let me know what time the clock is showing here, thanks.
1:48
